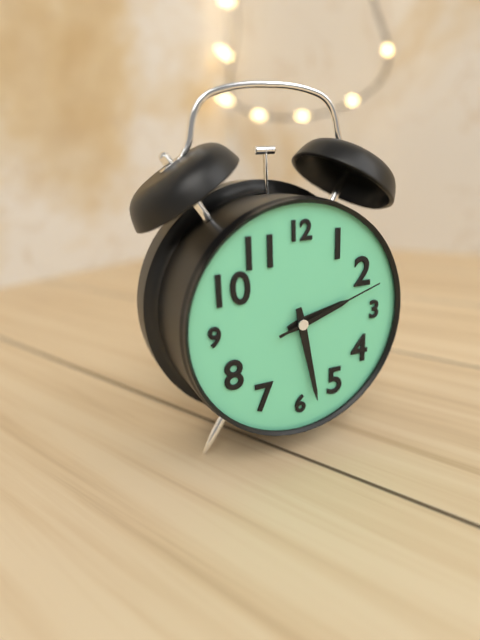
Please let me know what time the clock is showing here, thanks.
2:28:12
